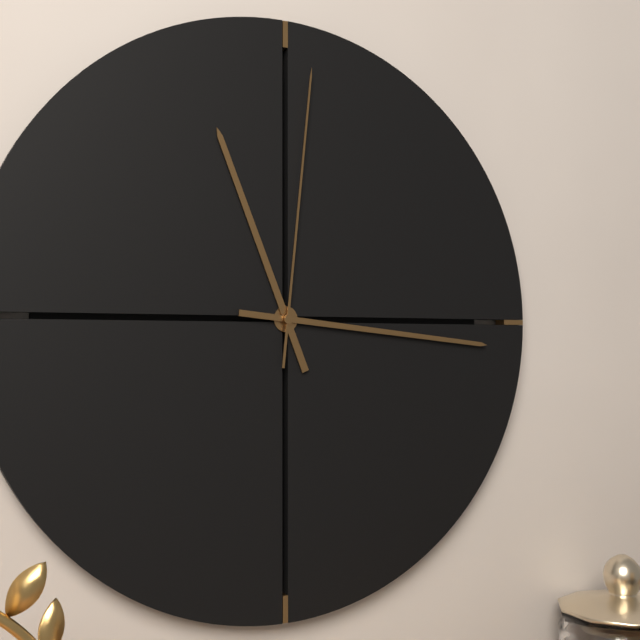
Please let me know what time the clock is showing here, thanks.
11:16:01
